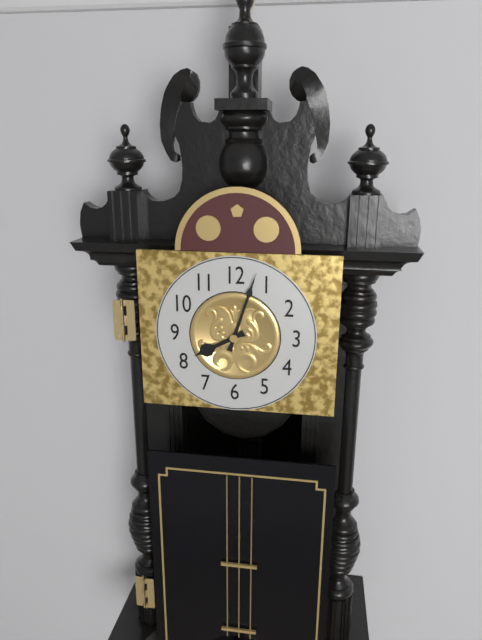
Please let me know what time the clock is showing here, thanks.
8:03
